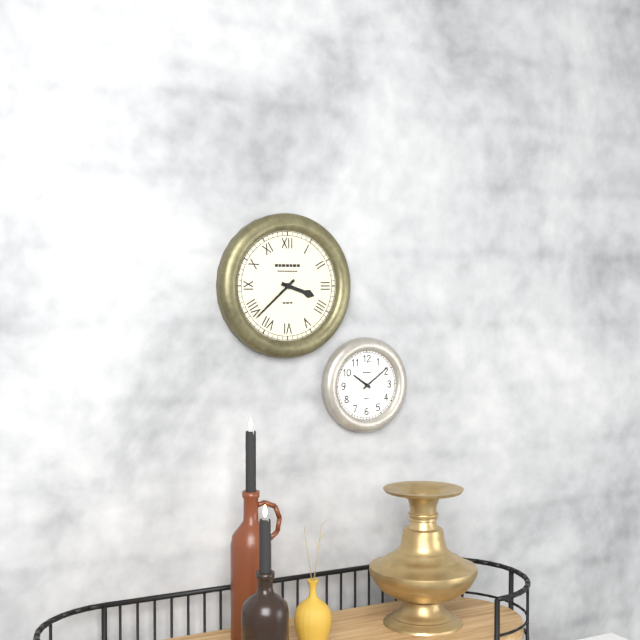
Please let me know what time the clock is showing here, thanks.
3:38
